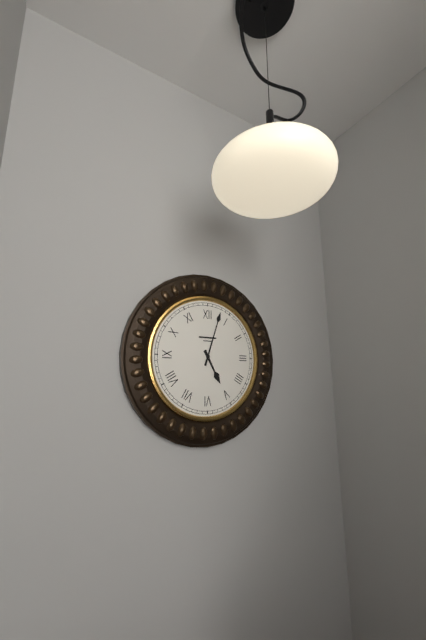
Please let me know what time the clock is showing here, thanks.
5:03
